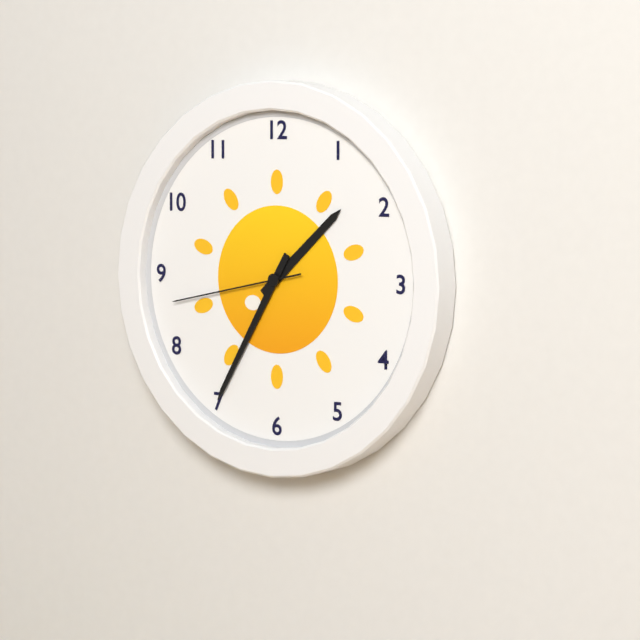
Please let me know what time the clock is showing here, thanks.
1:35:43
